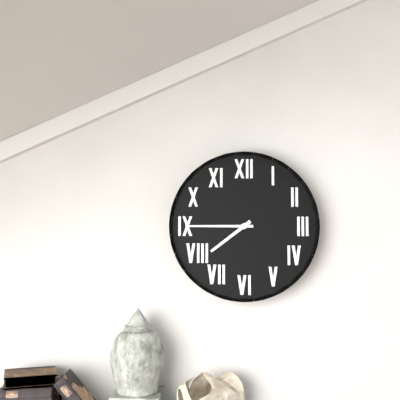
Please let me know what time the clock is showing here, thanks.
7:45
